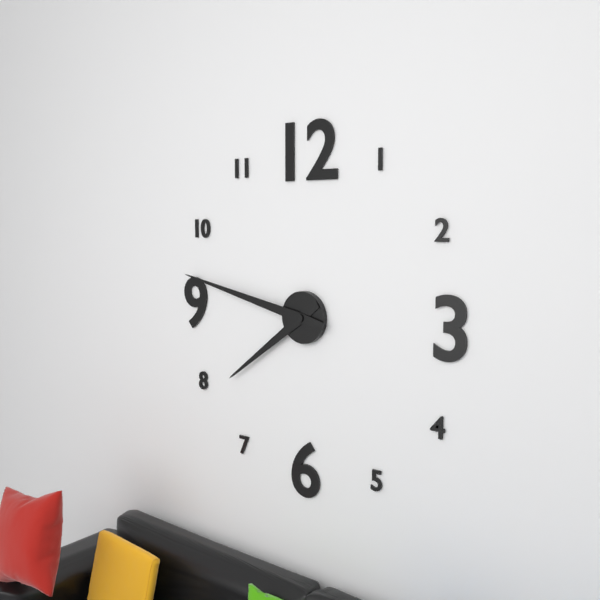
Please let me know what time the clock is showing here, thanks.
7:47
